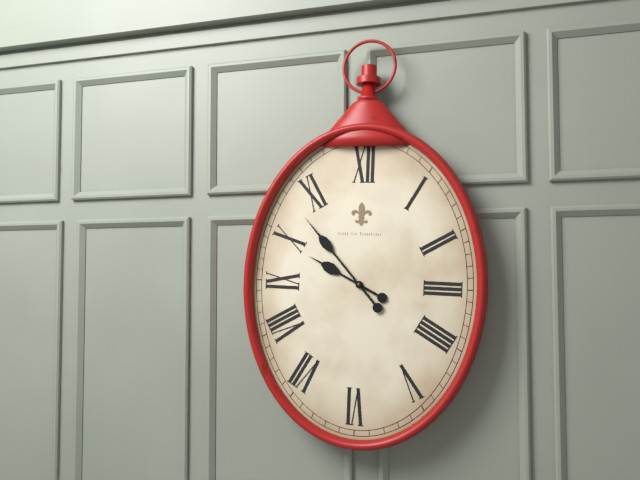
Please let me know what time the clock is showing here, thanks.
9:53
